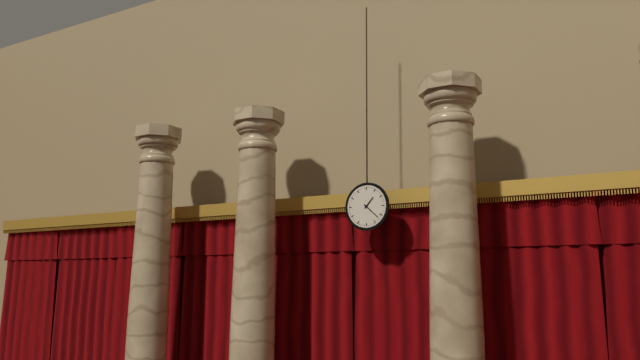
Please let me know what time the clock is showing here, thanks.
1:22
